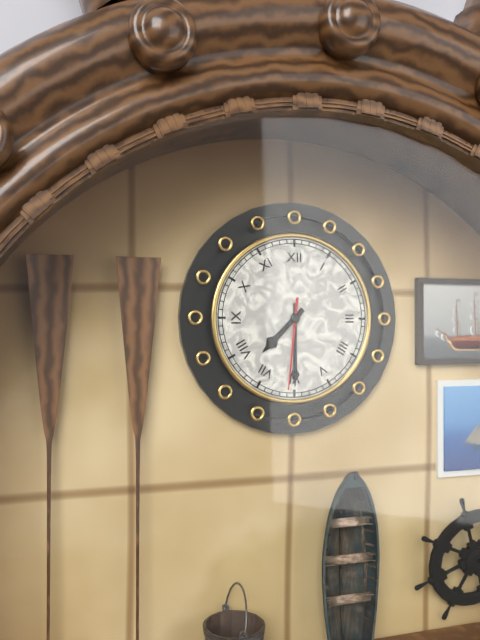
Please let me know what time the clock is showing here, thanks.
7:30:31
